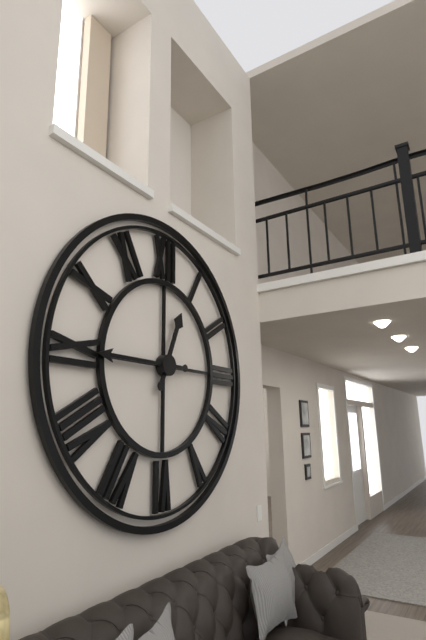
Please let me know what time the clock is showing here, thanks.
12:45
